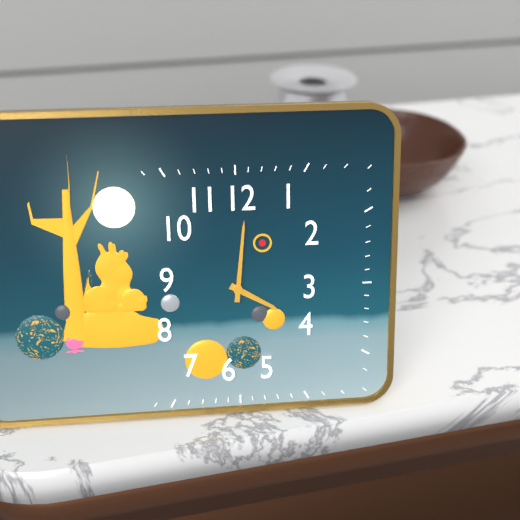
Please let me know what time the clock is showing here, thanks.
4:01
